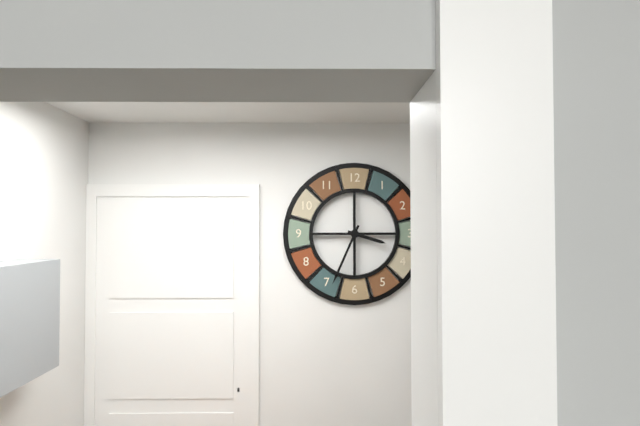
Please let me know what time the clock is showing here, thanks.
3:34
